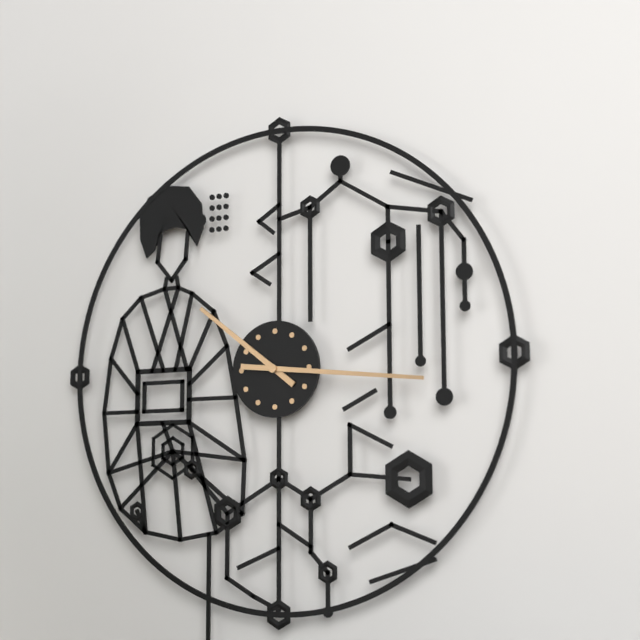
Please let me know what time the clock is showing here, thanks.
10:16
